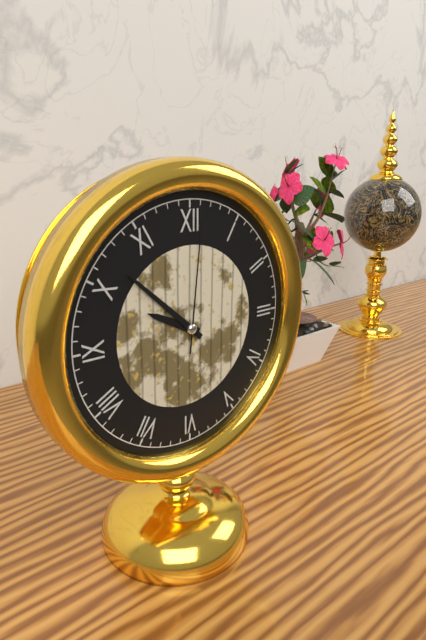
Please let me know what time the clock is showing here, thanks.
9:52:01
